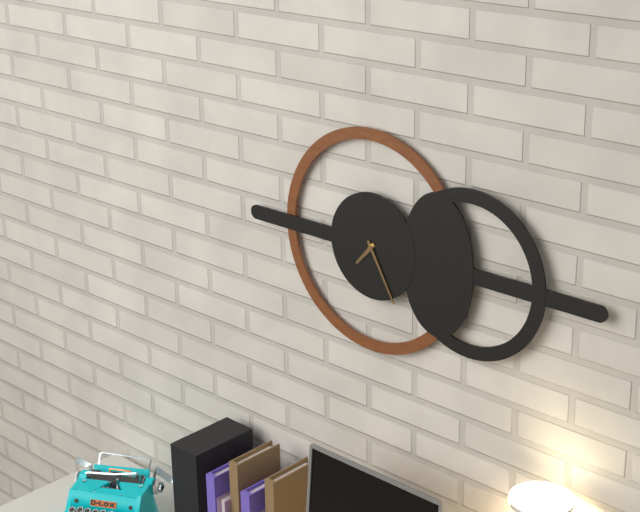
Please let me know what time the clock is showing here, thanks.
7:25
